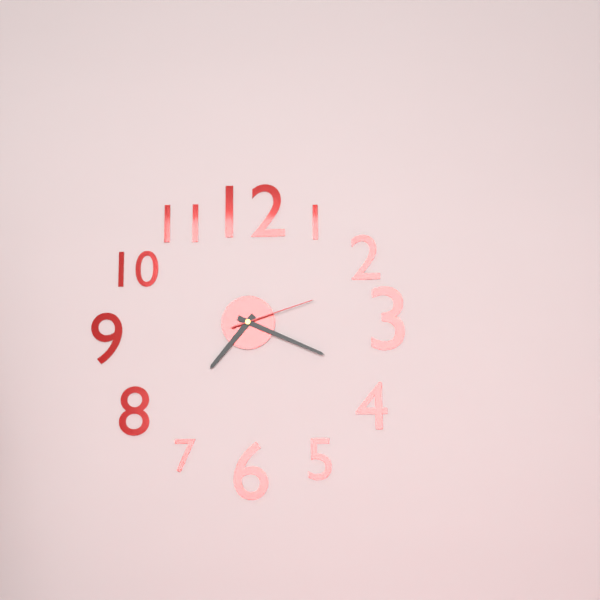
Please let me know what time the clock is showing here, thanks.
7:19:12
